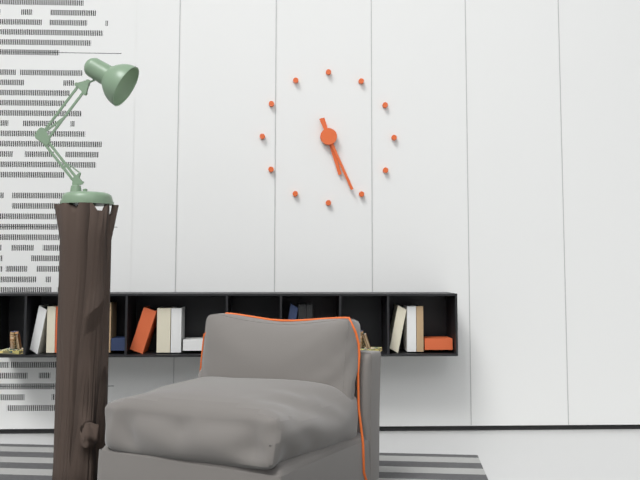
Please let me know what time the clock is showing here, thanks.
5:26
